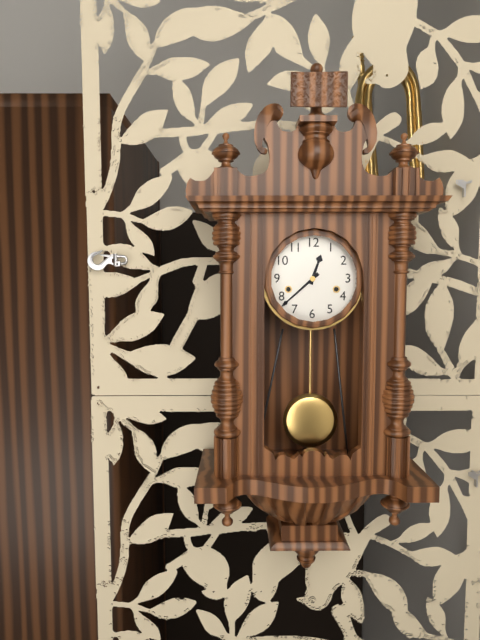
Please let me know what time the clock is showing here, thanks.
12:38
